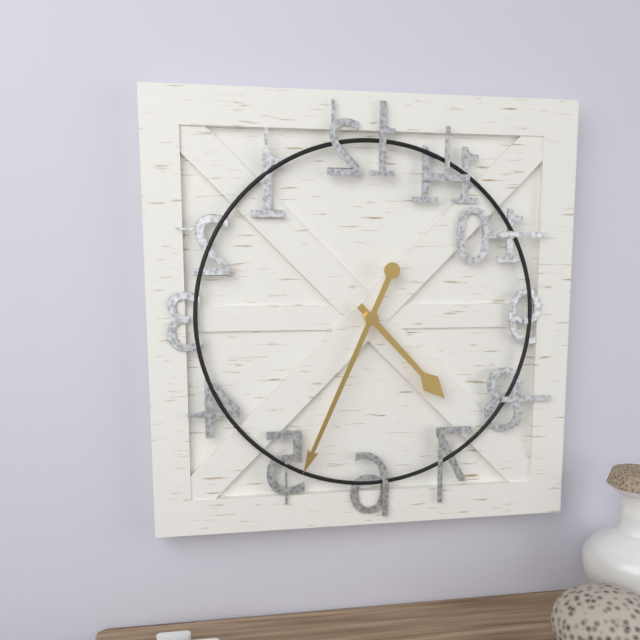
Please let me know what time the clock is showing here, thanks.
4:34
